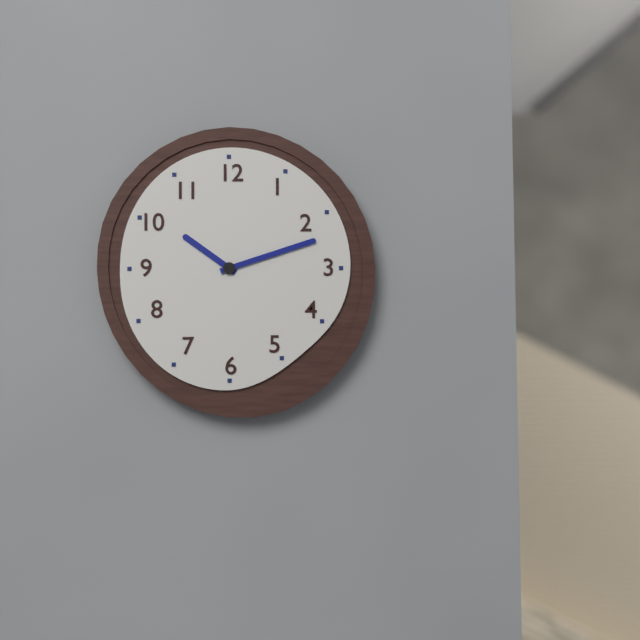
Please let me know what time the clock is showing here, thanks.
10:12
